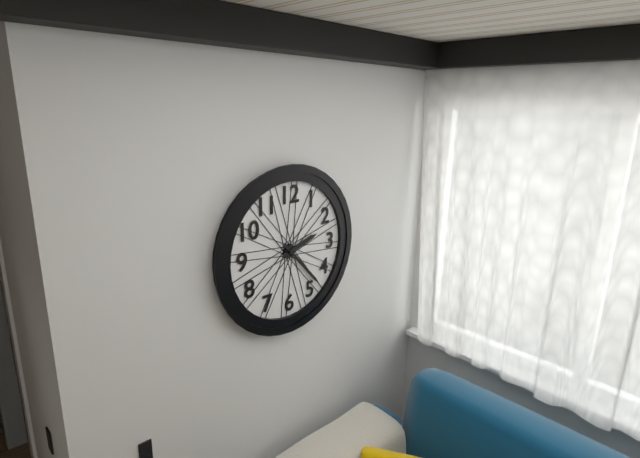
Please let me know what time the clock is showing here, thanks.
2:23
